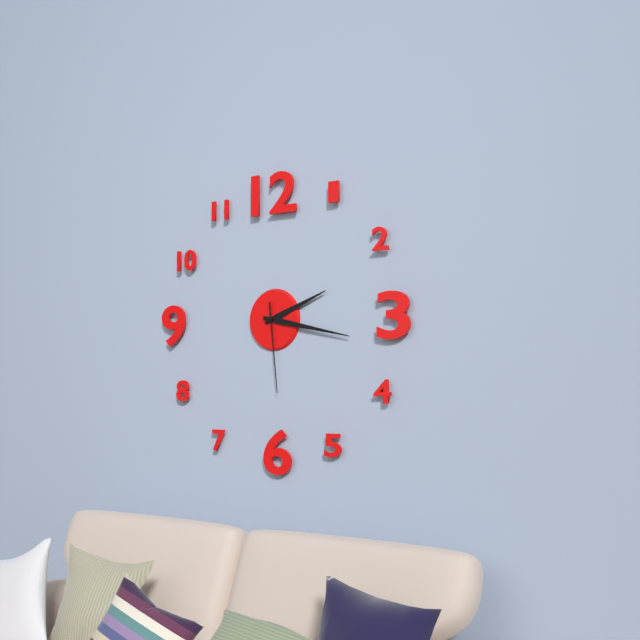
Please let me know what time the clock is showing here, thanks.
2:17:29
